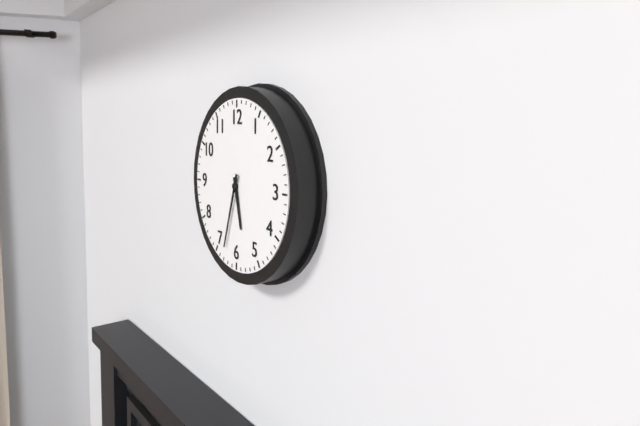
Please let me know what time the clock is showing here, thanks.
5:33
